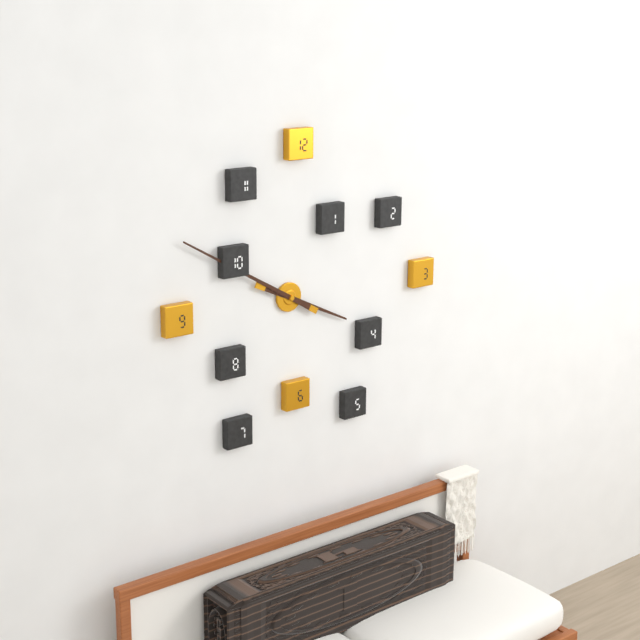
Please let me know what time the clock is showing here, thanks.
3:50
